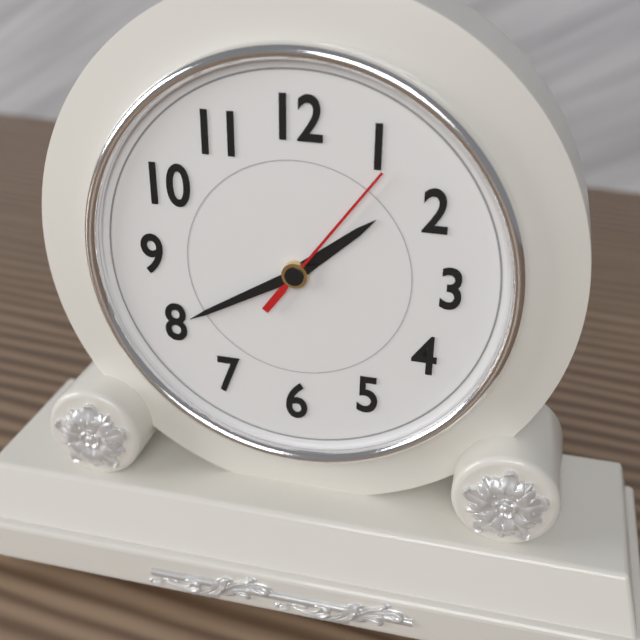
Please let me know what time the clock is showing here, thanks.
1:40:06
